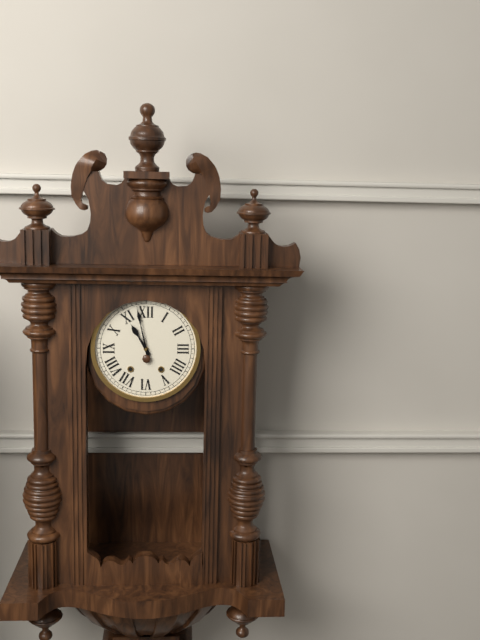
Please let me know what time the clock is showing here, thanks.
10:58
